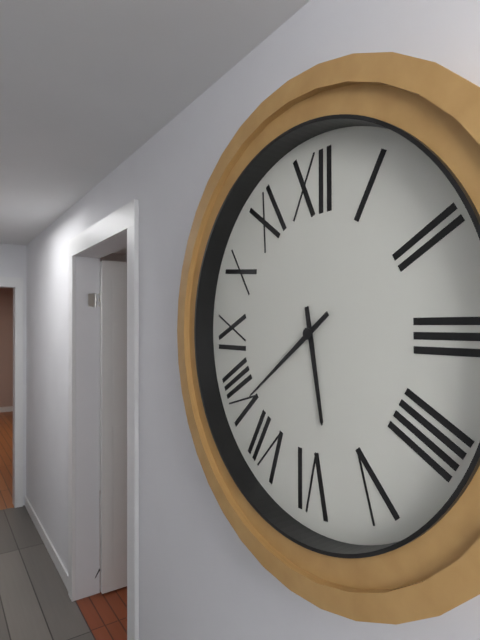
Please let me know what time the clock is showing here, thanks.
5:39
